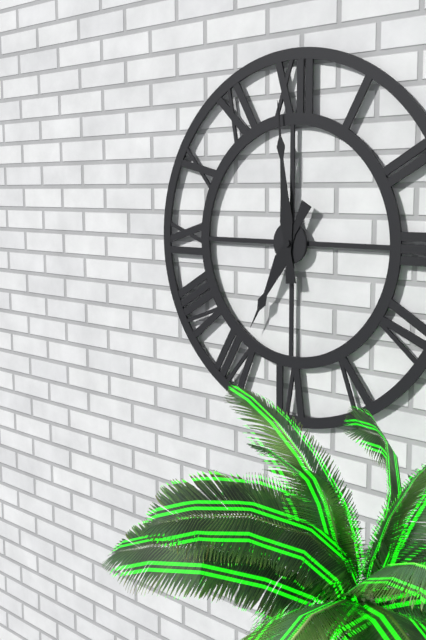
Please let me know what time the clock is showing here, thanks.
6:59
